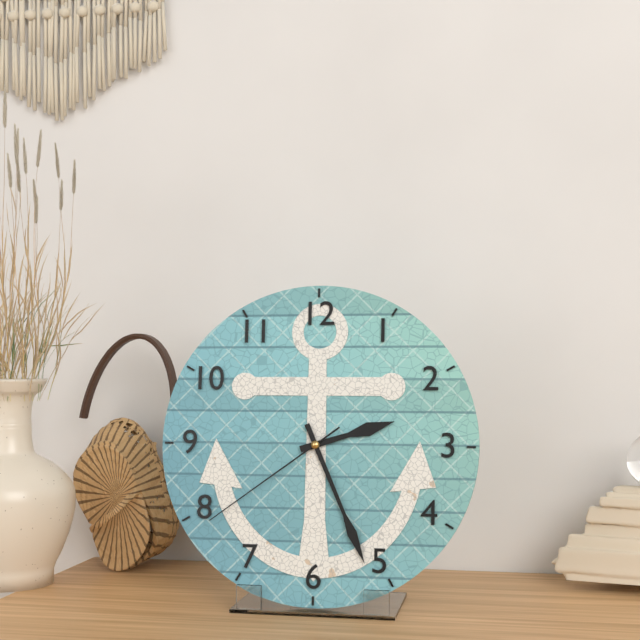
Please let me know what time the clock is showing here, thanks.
2:26:39
